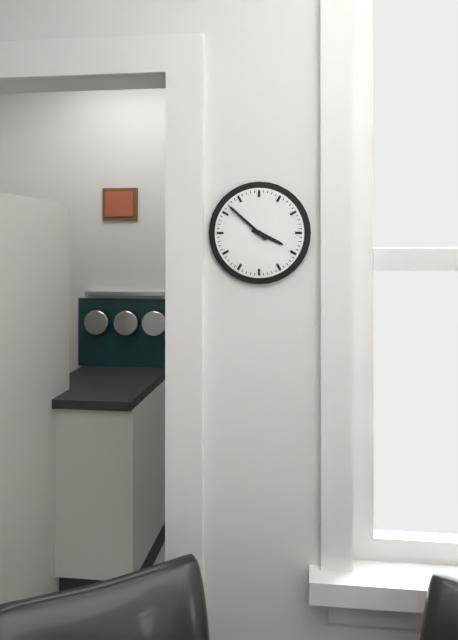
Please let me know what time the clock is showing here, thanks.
3:52
